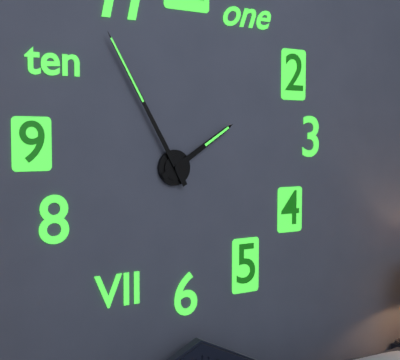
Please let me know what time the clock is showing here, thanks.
1:55
